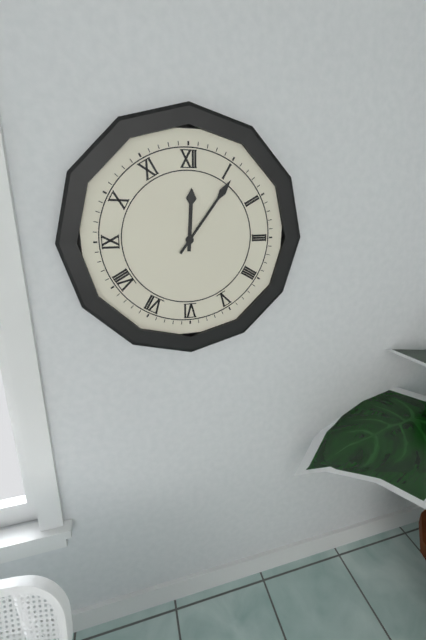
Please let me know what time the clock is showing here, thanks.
12:06
